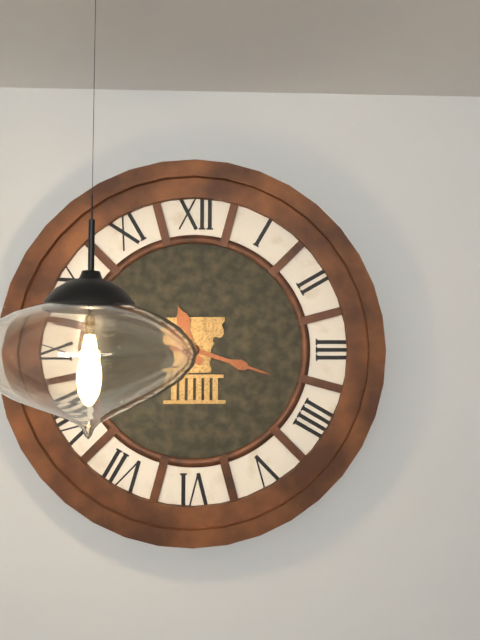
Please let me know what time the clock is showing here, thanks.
11:18
